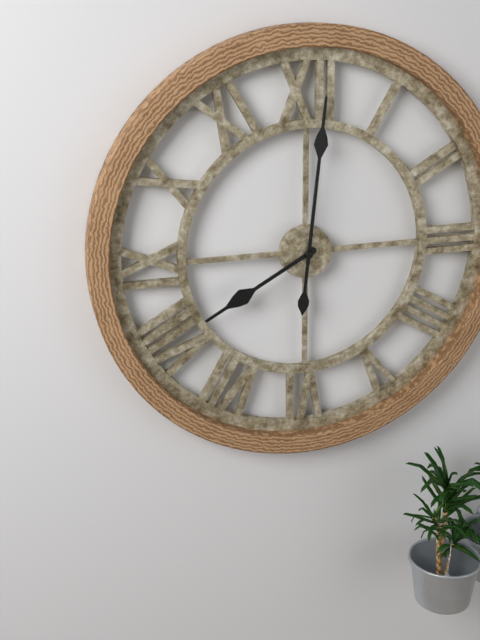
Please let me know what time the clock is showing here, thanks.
8:01
